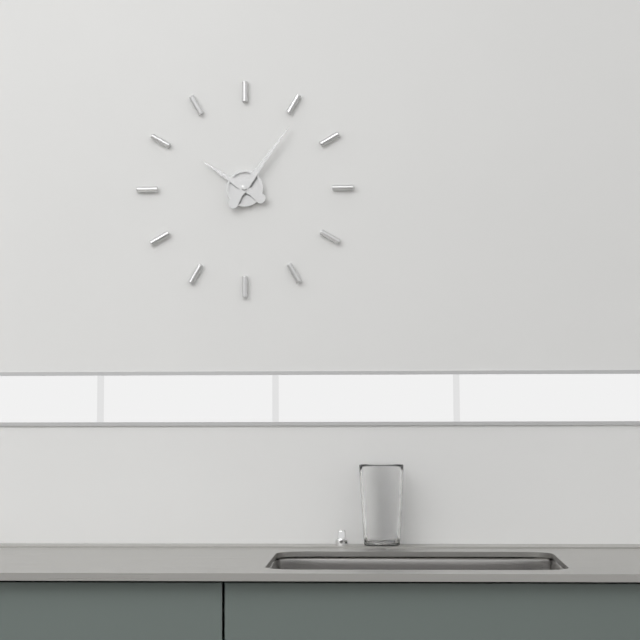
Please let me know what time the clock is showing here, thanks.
10:06
